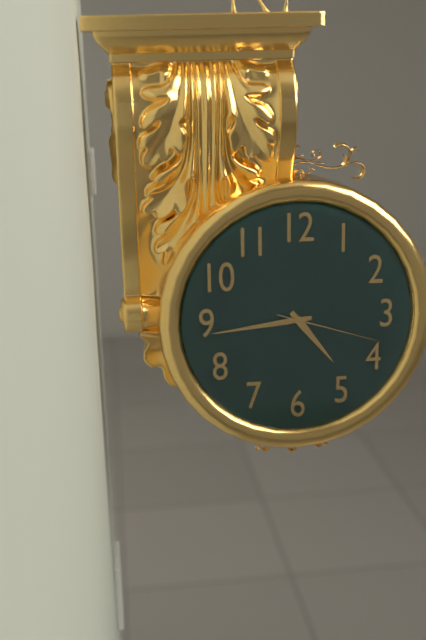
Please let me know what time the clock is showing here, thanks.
4:44:18
